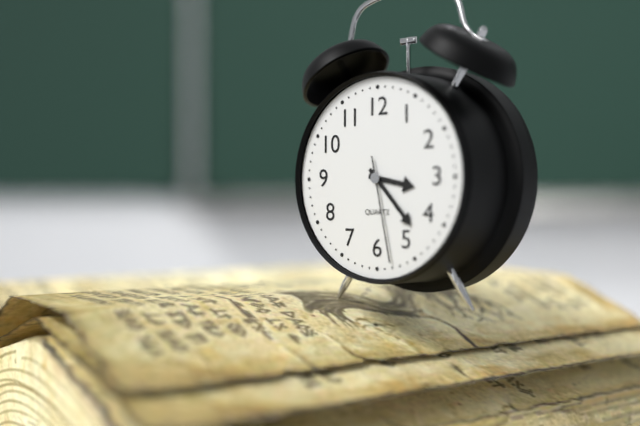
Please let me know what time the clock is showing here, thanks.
3:23:28
